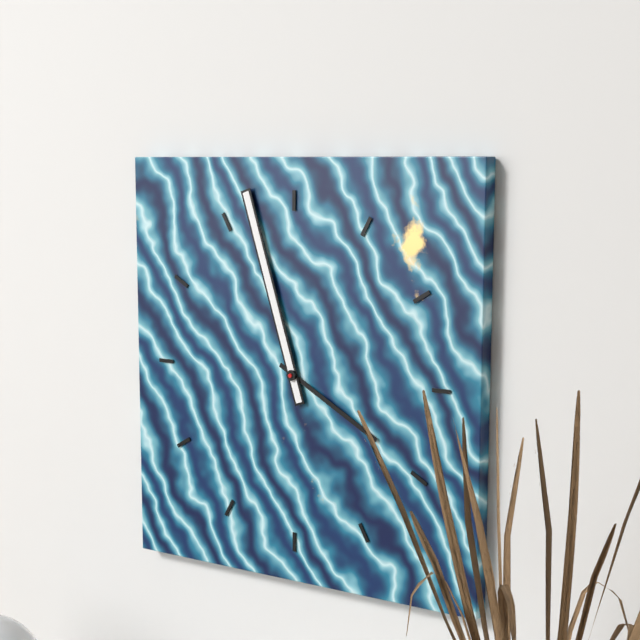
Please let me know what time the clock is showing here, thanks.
3:57
